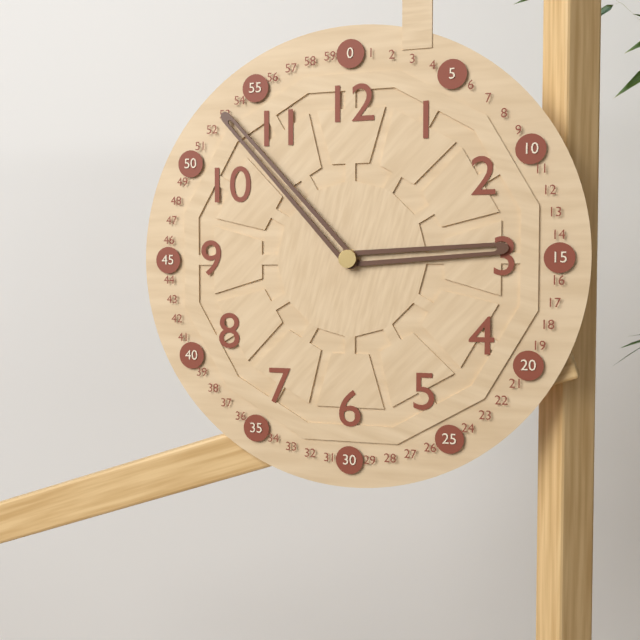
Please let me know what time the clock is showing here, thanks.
2:53
